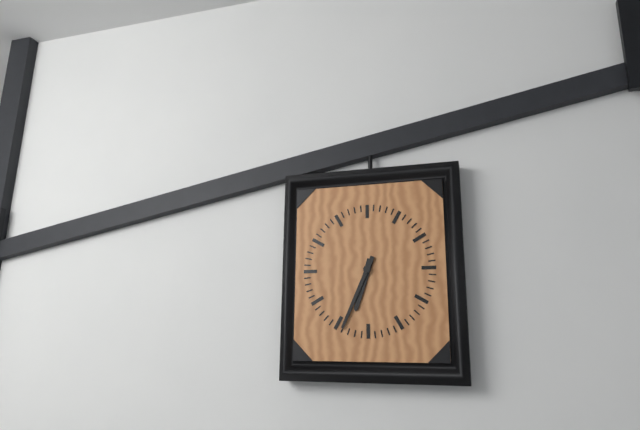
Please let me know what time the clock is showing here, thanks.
6:34
